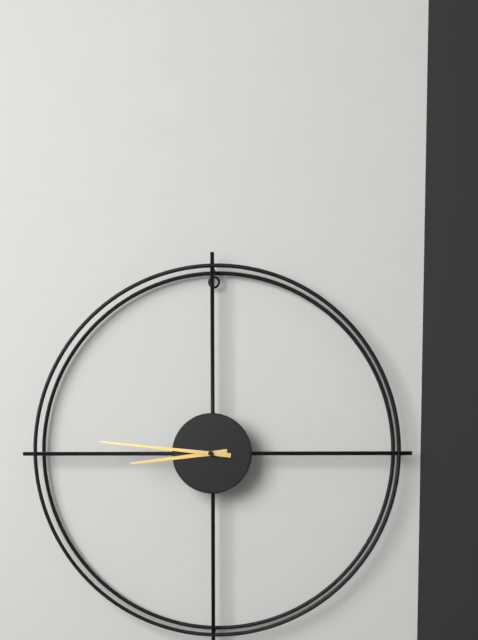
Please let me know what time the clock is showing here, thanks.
8:46
